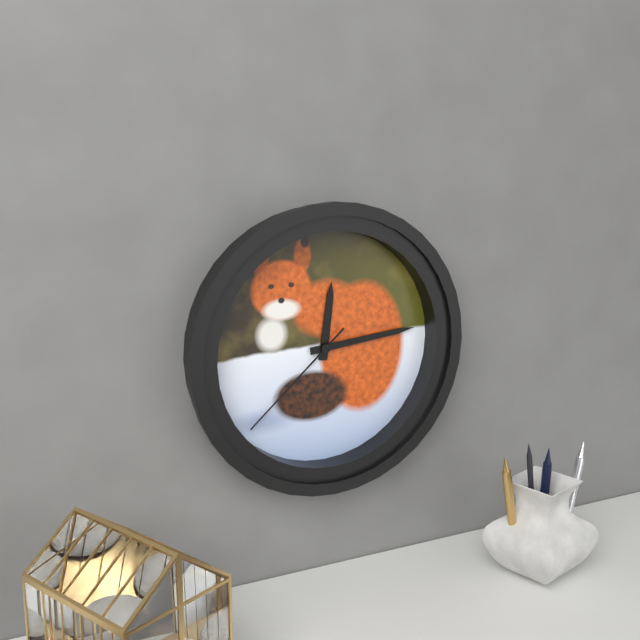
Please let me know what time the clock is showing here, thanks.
12:14:38
